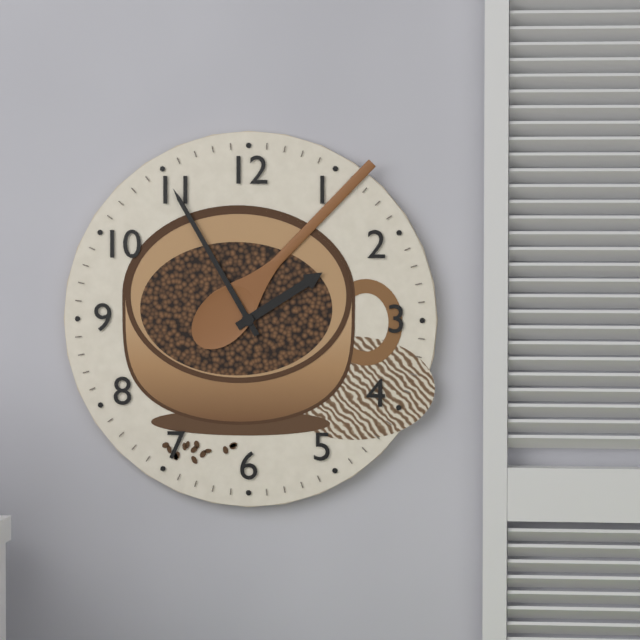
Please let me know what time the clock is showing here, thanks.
1:55
